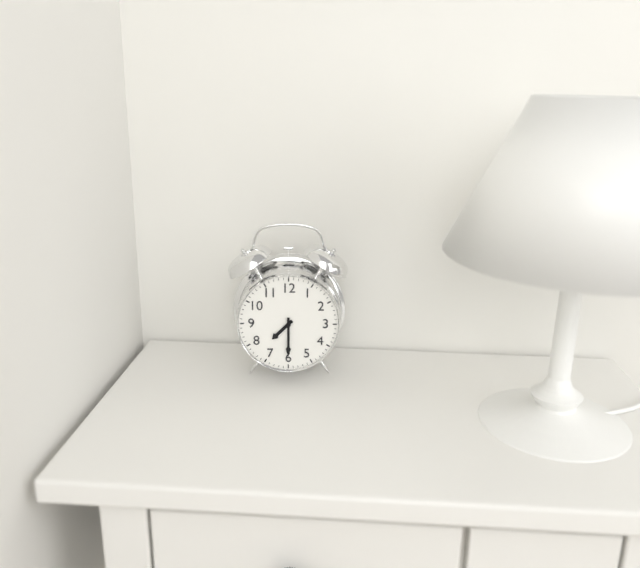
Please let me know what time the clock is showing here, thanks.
7:30
